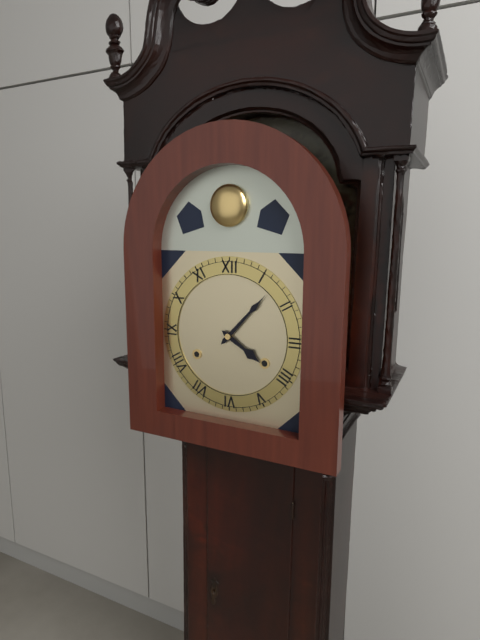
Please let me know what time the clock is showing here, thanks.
4:07
